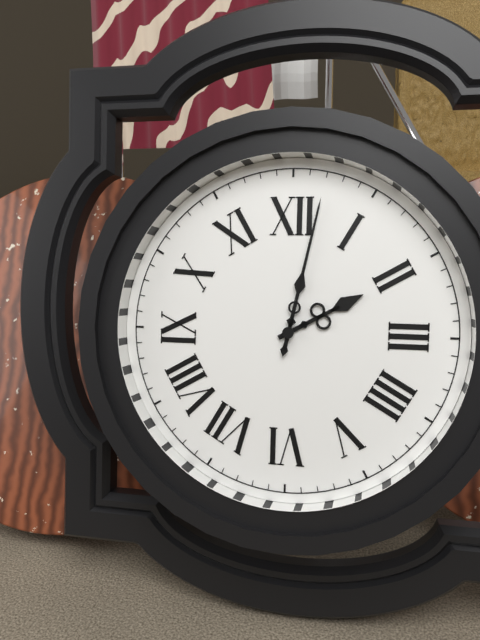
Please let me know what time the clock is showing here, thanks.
2:02
